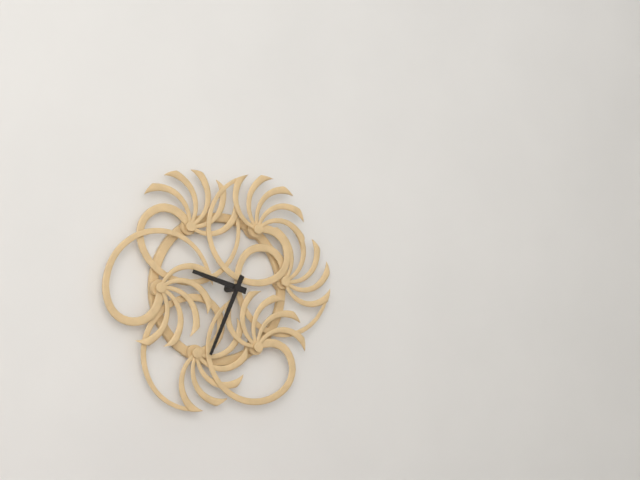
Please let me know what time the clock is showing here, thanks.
9:34
